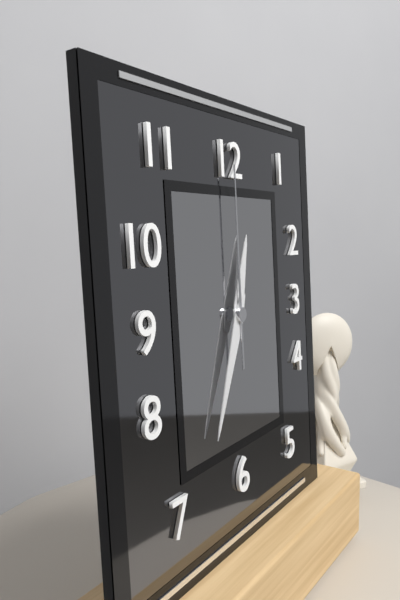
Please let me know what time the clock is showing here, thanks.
12:34:00
